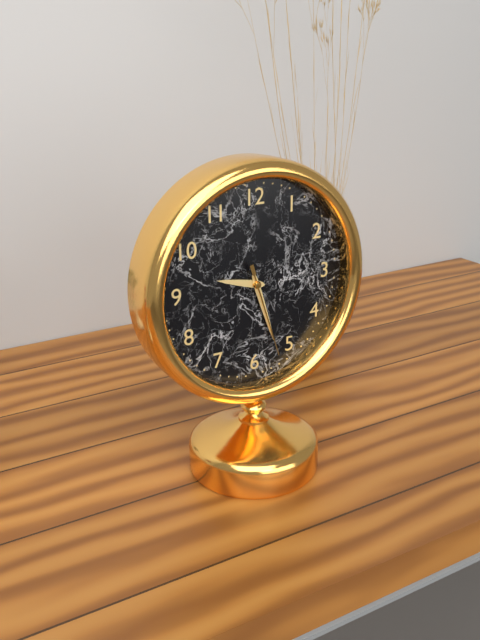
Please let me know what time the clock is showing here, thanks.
9:27:27
